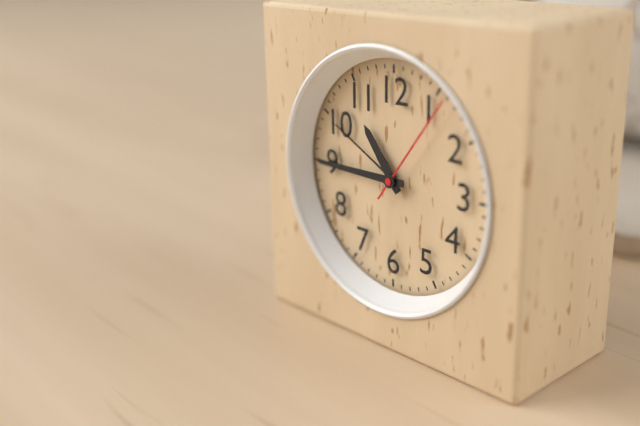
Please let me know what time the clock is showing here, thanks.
10:45:06
